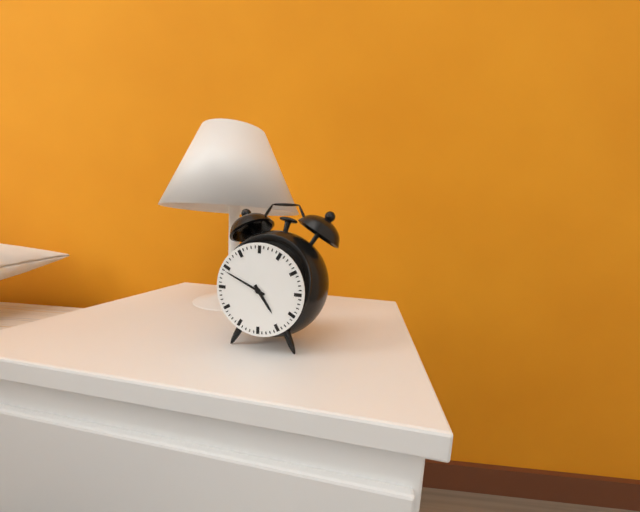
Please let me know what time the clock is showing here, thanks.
4:49
